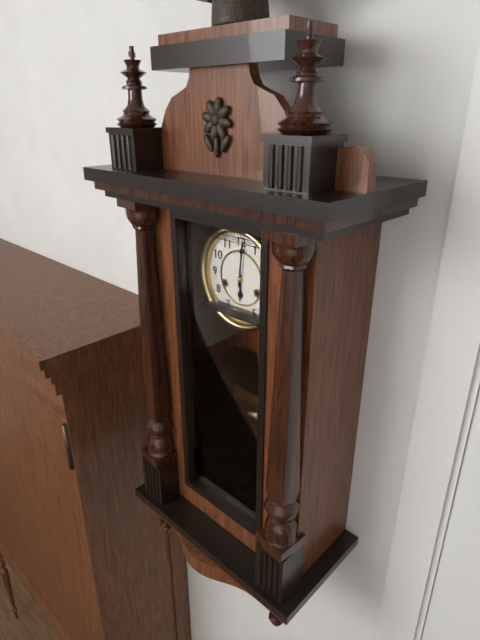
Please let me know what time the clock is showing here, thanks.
6:01
